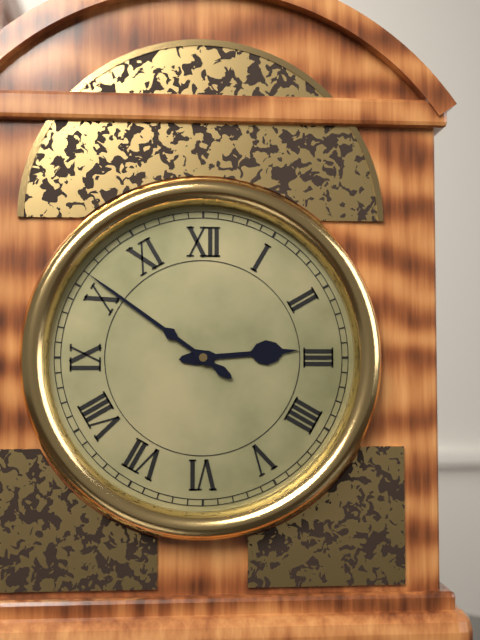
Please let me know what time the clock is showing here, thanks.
2:51
